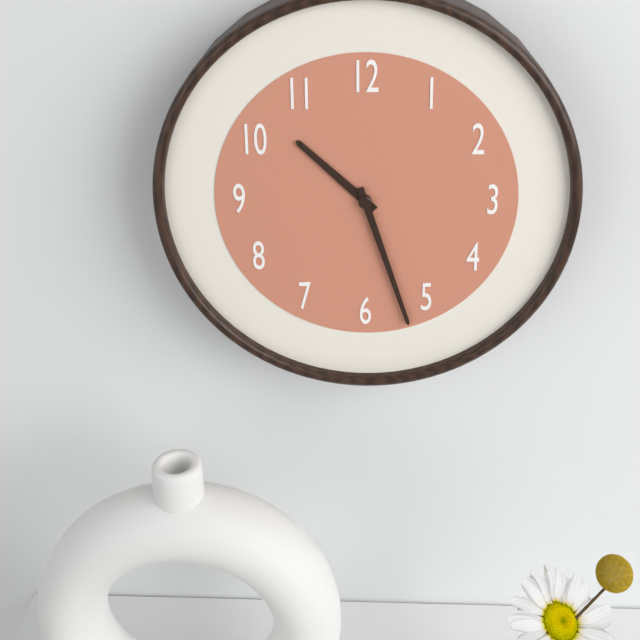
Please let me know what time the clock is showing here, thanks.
10:27
